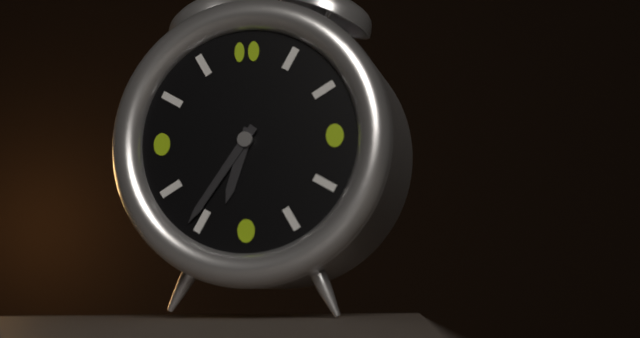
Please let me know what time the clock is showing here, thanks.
6:36
